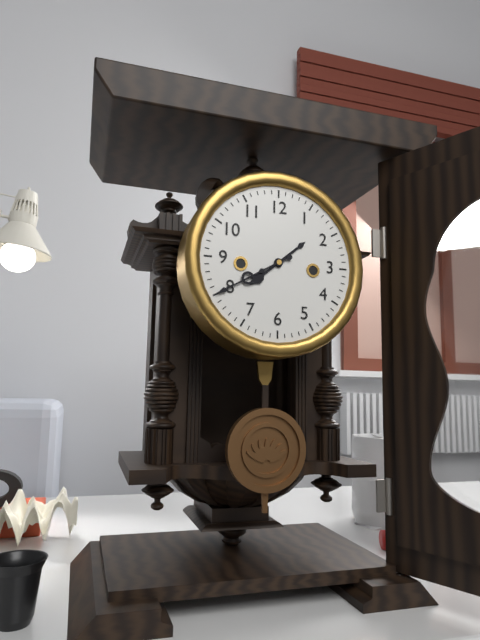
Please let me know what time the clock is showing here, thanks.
7:40
